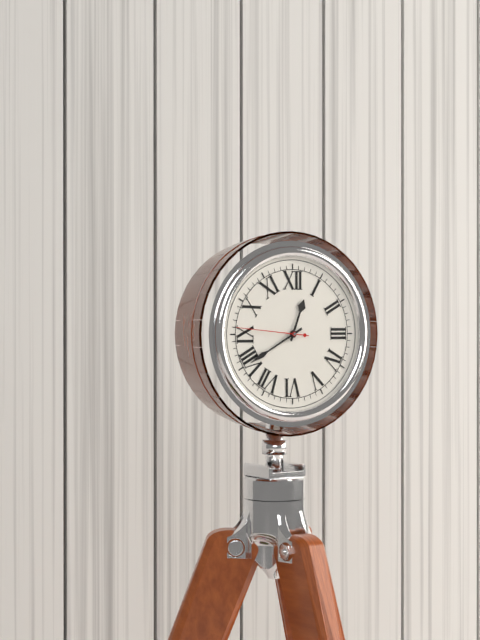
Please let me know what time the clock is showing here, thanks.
12:40
